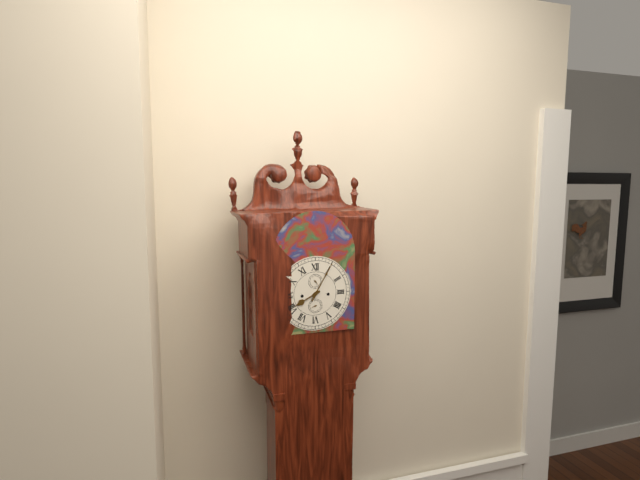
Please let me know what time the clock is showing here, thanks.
8:05
